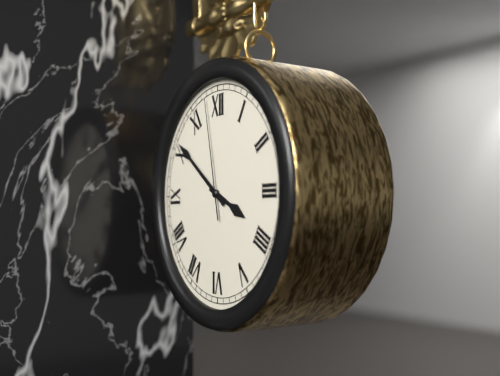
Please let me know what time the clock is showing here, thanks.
3:51:58
